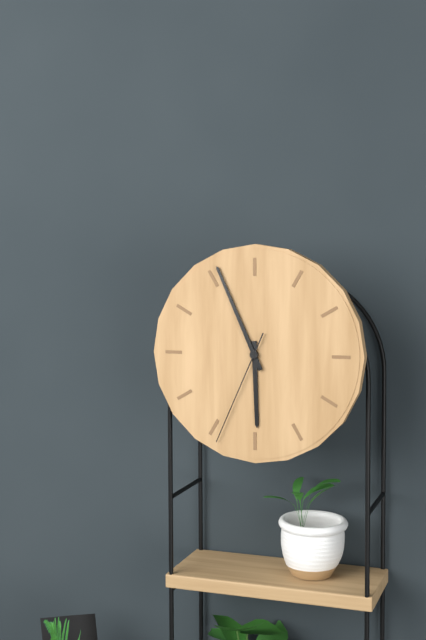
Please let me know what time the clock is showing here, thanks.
5:56:34
